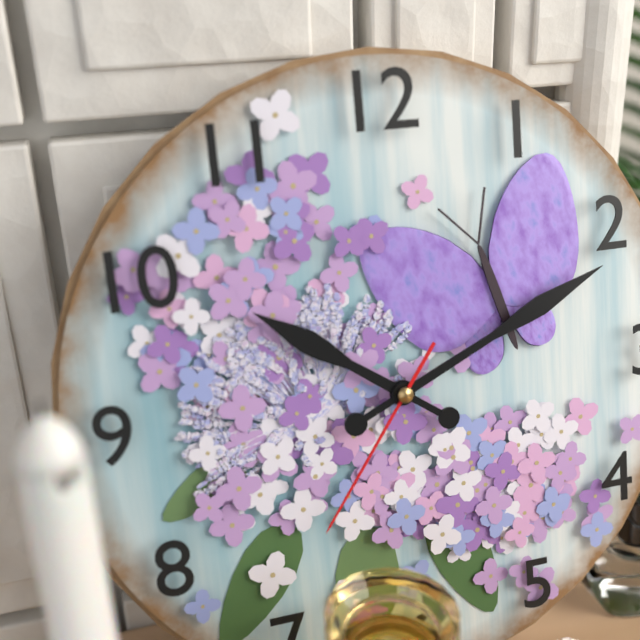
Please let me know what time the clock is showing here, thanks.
10:11:36
